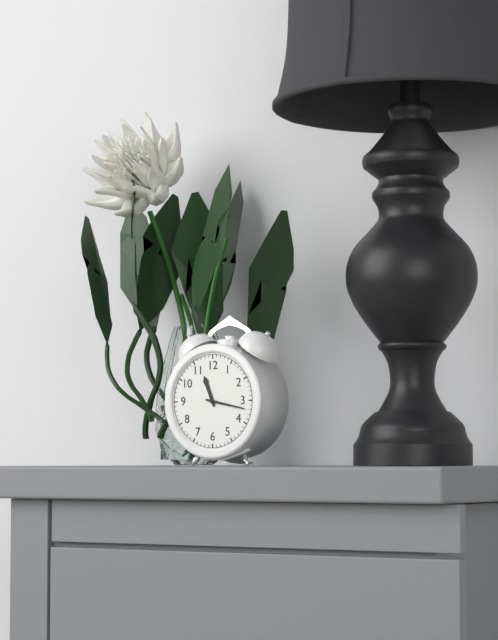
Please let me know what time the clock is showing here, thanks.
11:17
